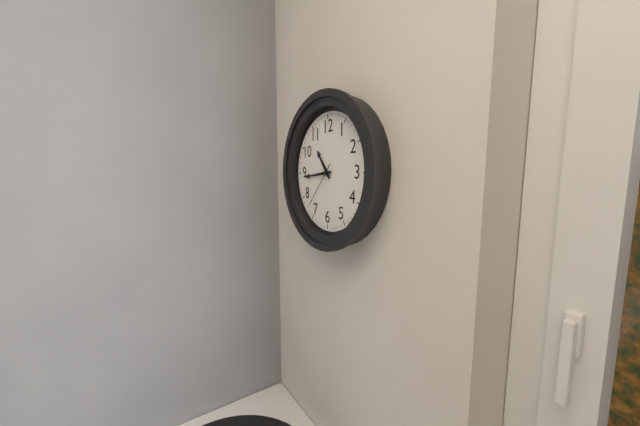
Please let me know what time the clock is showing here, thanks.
10:44
